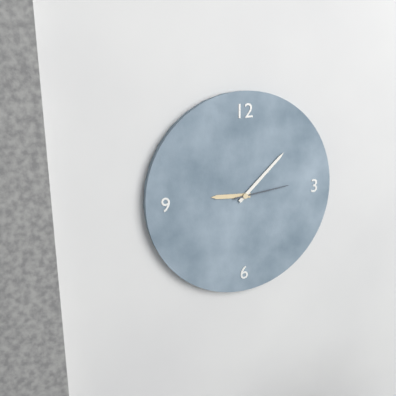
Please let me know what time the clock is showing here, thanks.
9:08:14
